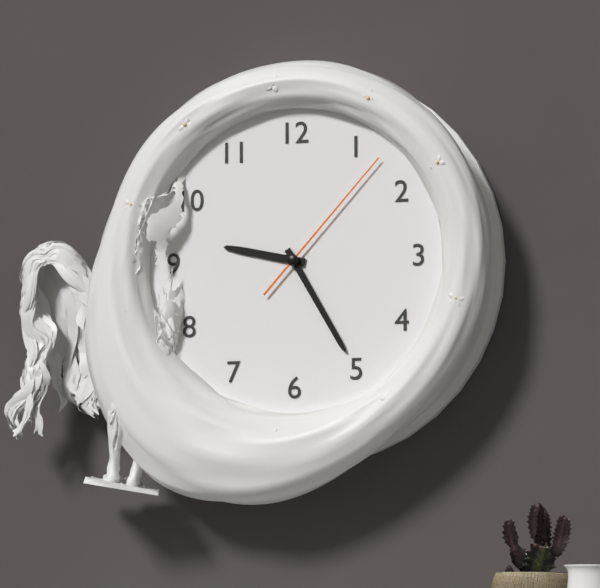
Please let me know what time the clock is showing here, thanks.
9:25:07
